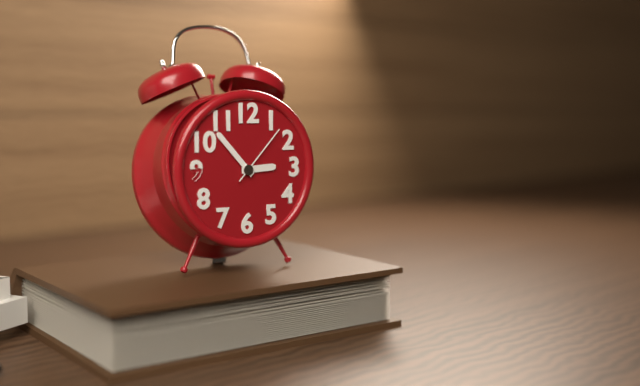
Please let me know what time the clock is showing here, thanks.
2:53:07
